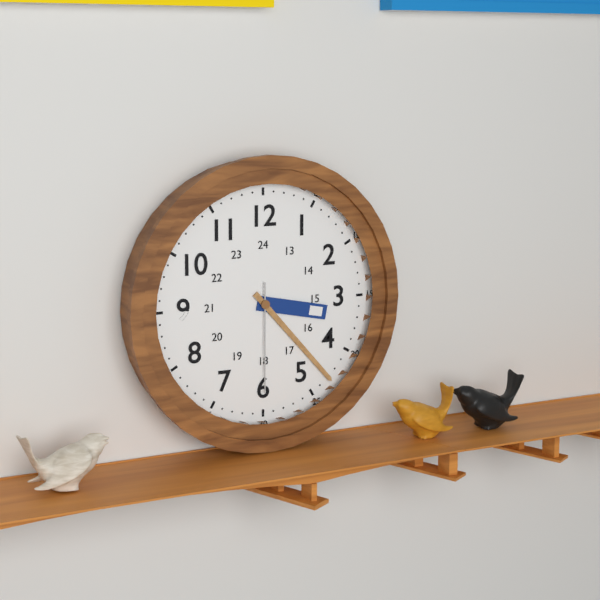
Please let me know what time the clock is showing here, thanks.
3:23:30
